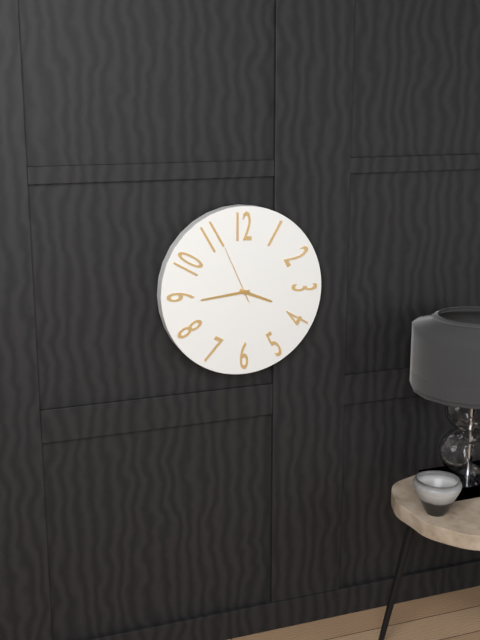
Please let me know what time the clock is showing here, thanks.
3:44:56
